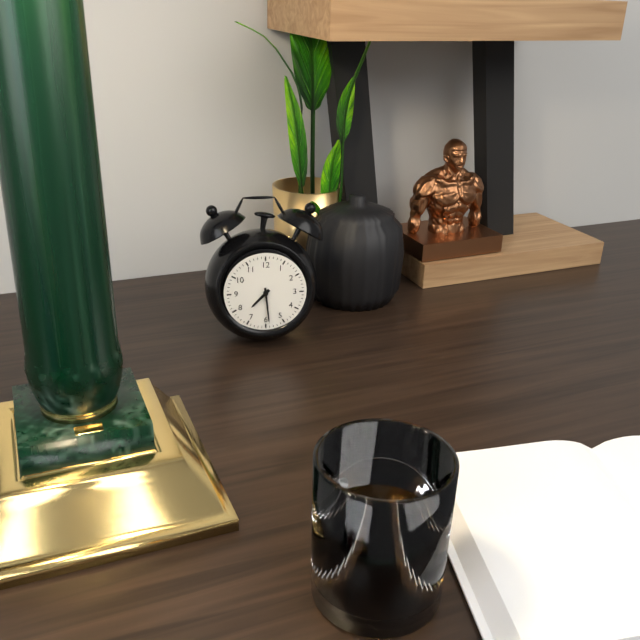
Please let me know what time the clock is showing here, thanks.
7:29
